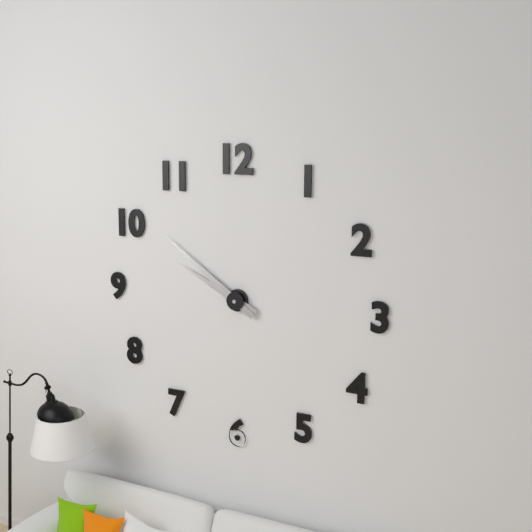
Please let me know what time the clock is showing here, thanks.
9:51
